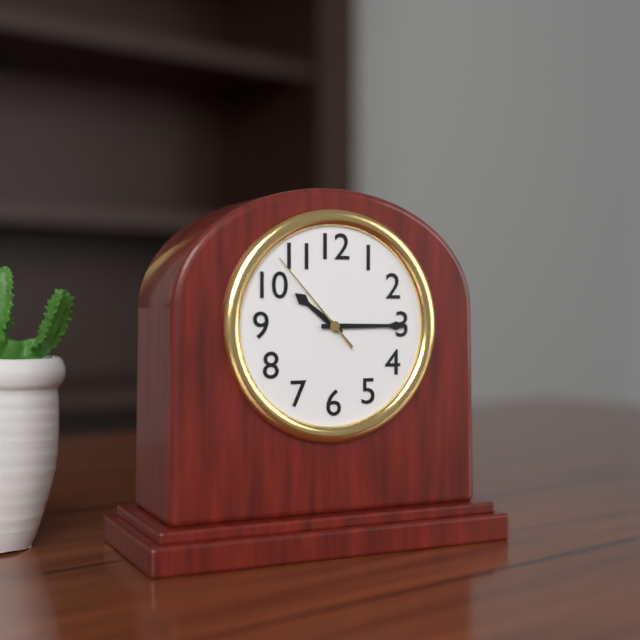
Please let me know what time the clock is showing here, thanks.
10:15:53
